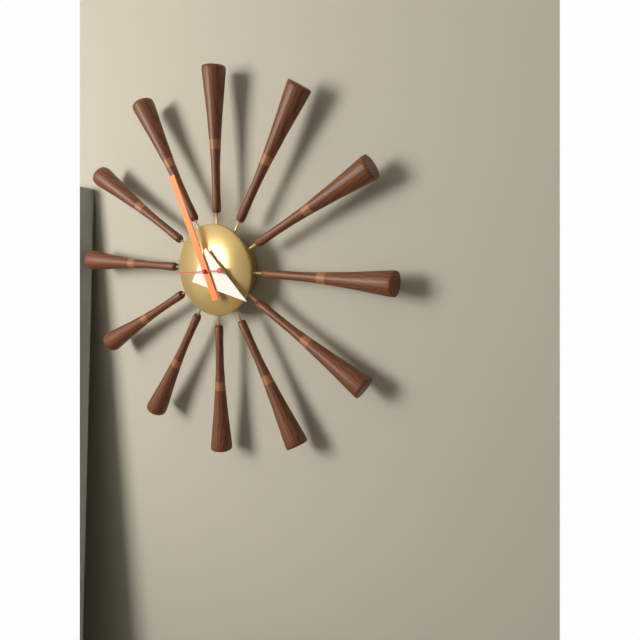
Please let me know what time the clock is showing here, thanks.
3:56:44
